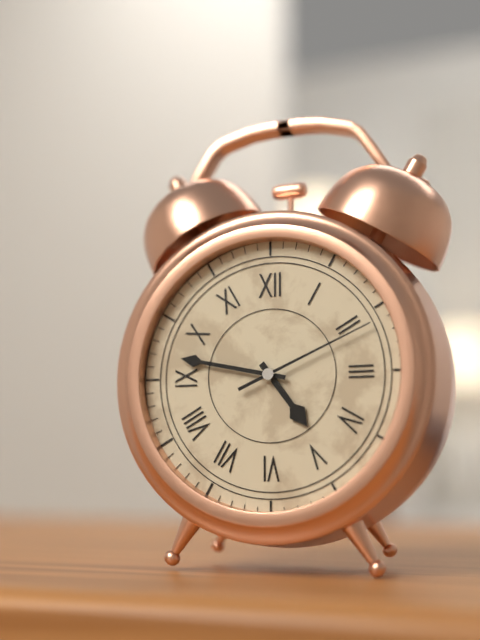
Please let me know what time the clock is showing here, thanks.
4:47:11
